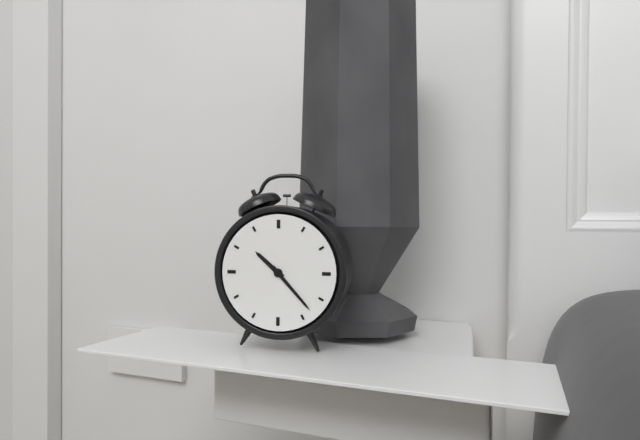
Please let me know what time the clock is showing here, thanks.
10:23
